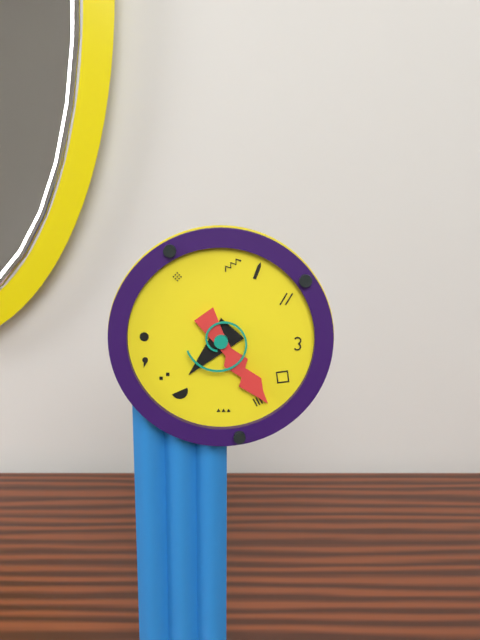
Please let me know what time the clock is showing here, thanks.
7:24
